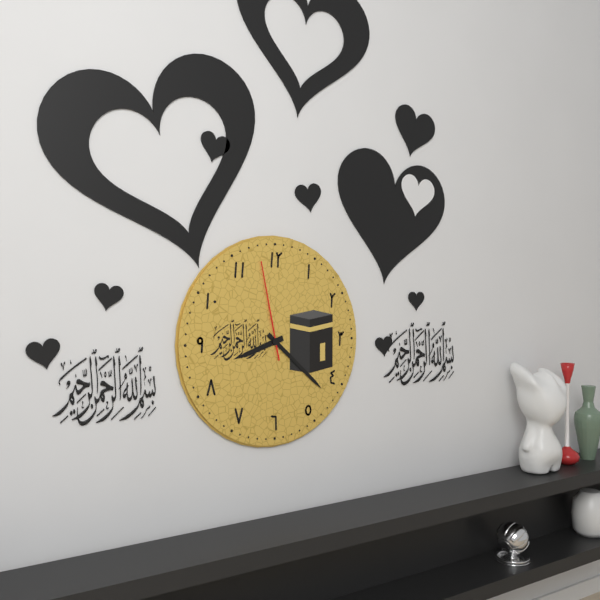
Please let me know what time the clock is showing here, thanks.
8:22:58
